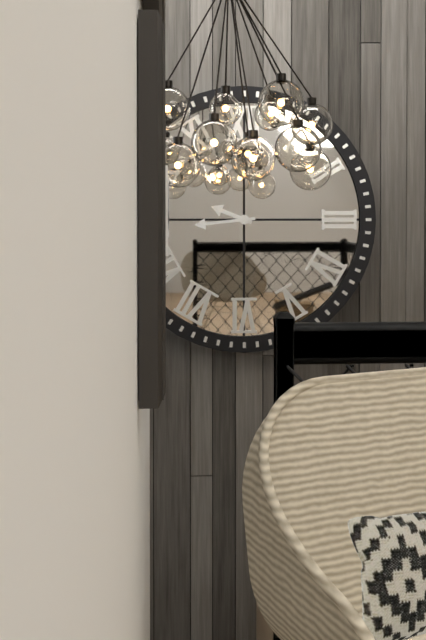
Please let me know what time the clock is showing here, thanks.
9:44
